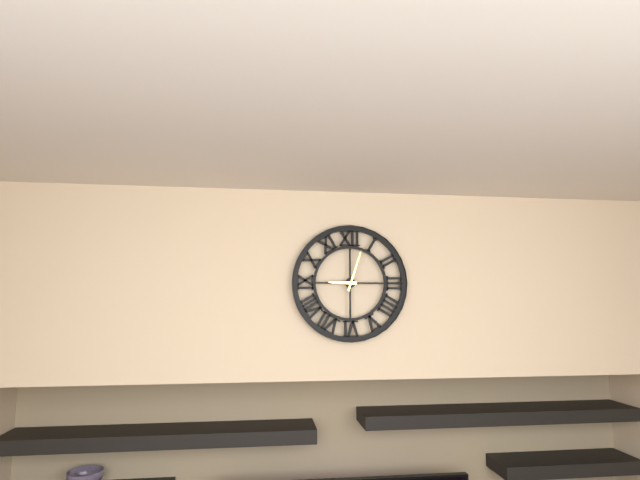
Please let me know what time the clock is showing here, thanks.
9:03
